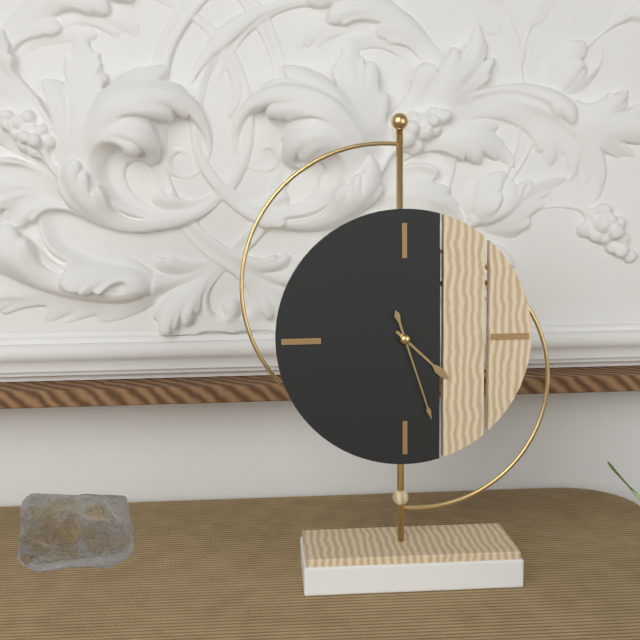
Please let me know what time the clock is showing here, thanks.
4:27
